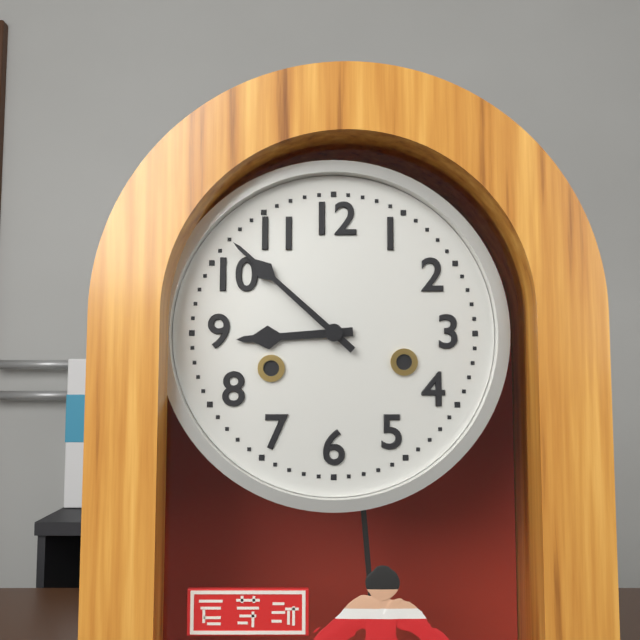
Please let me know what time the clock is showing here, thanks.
8:52
